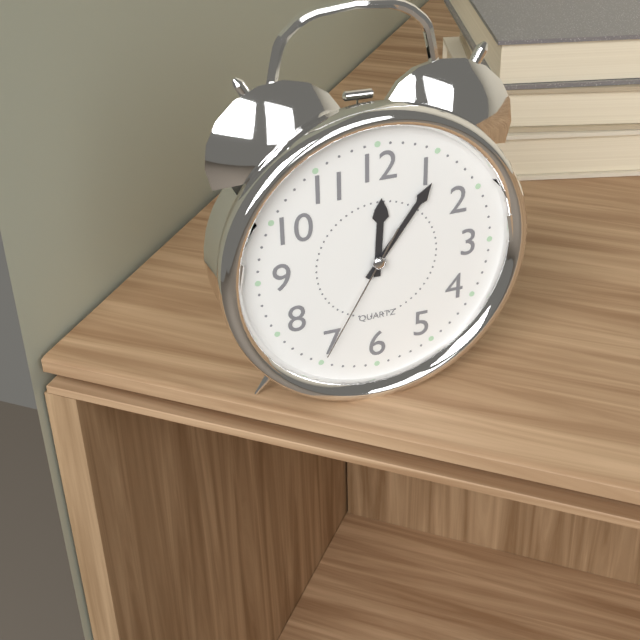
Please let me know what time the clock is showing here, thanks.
12:06:35
